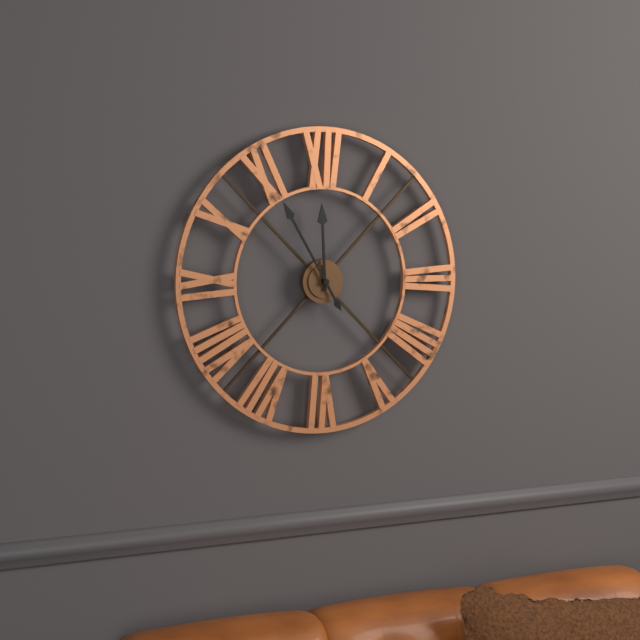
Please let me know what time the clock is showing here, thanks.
11:55
